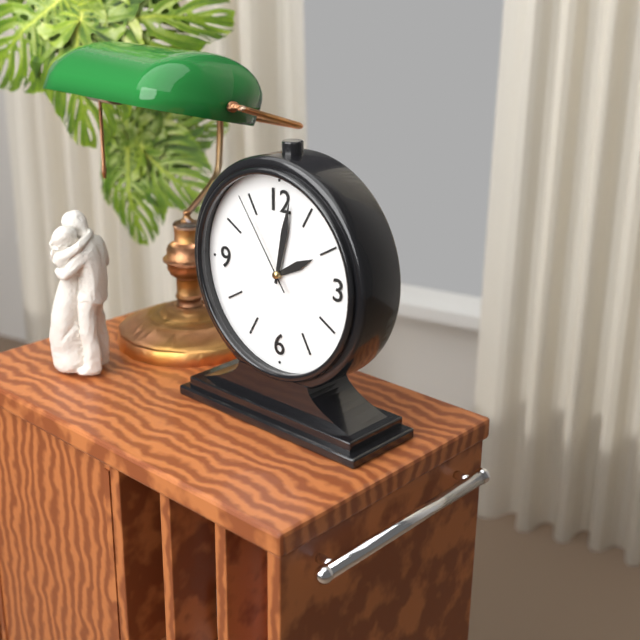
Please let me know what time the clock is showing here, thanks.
2:02:54
